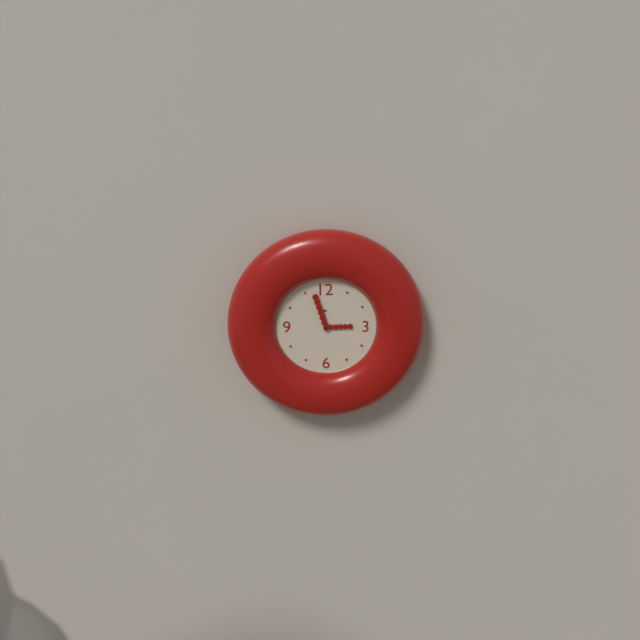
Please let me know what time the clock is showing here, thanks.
2:57
